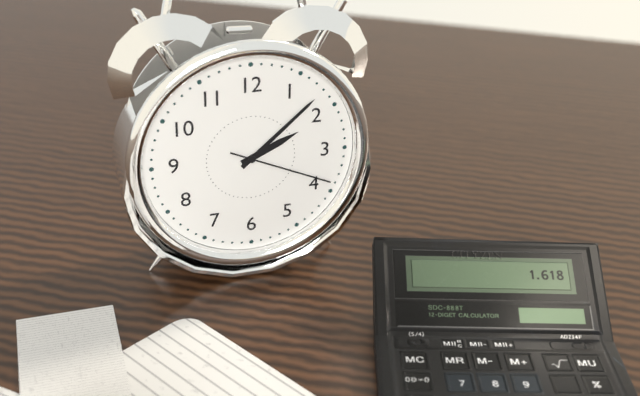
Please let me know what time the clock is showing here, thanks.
2:08:19
